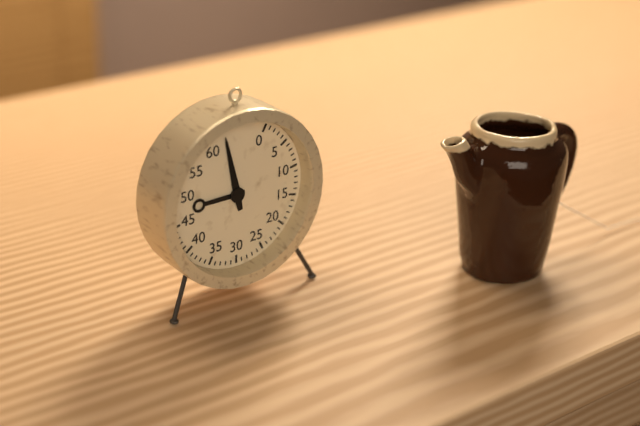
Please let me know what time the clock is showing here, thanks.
8:58
